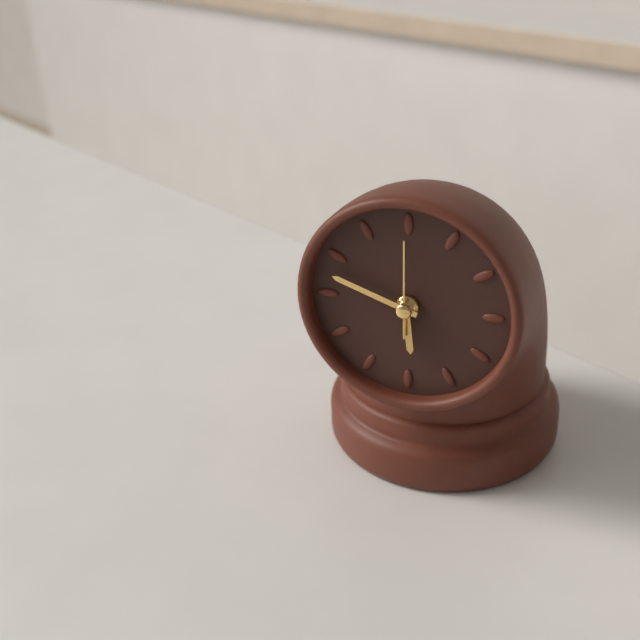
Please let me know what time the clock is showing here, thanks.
5:48:00
